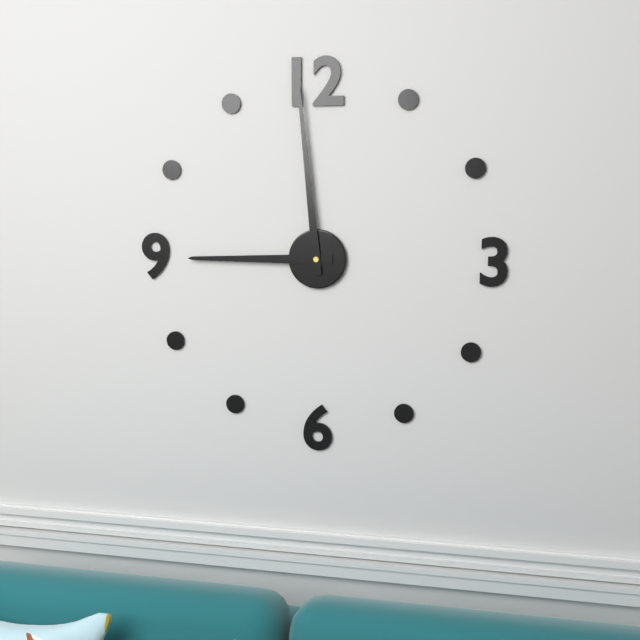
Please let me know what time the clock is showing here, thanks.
8:59
